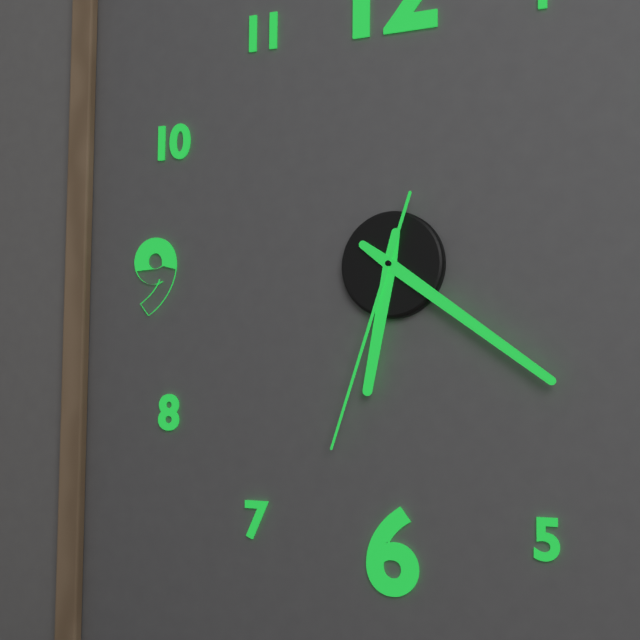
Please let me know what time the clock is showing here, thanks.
6:21:33
